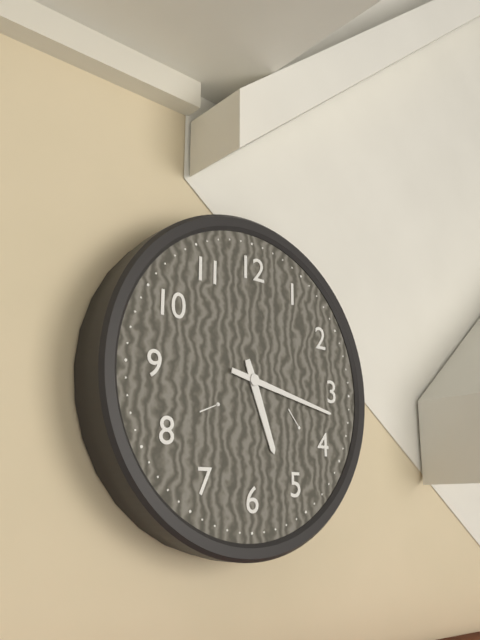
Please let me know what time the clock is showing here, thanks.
5:17
